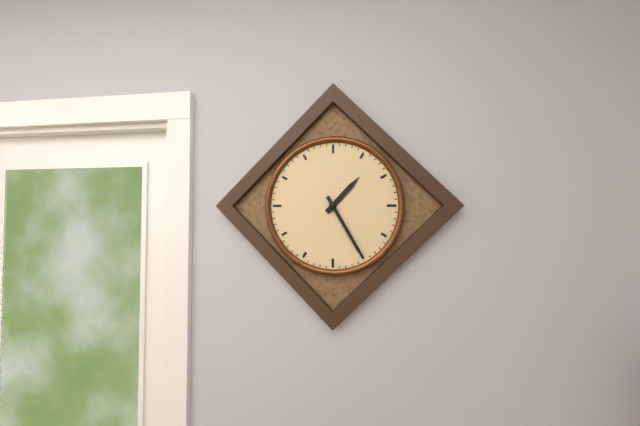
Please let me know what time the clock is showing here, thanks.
1:25
